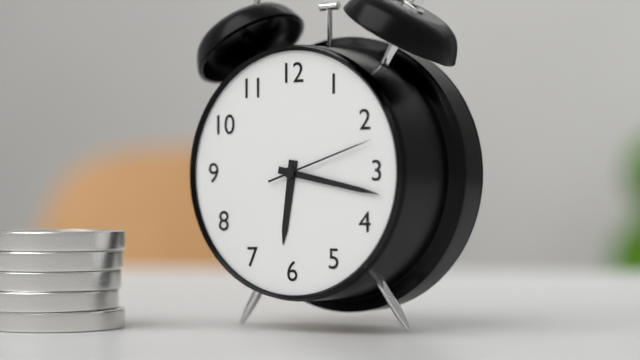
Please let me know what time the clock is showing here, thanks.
6:17:12
